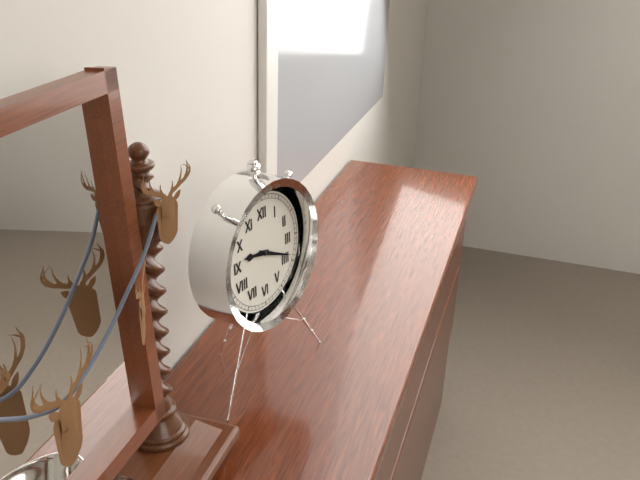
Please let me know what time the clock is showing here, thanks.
9:19
